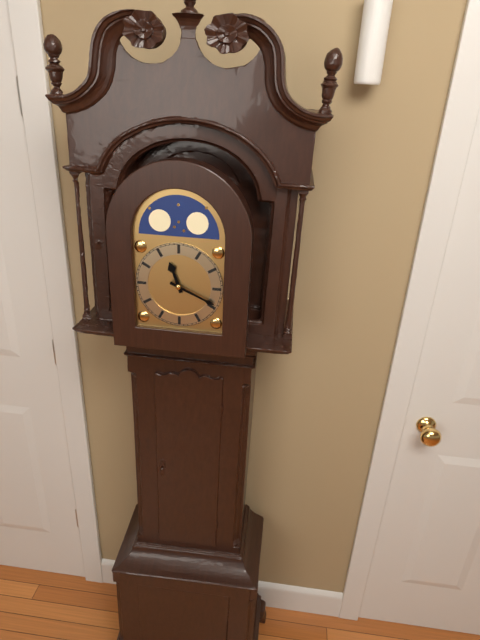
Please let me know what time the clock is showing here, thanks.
11:19
